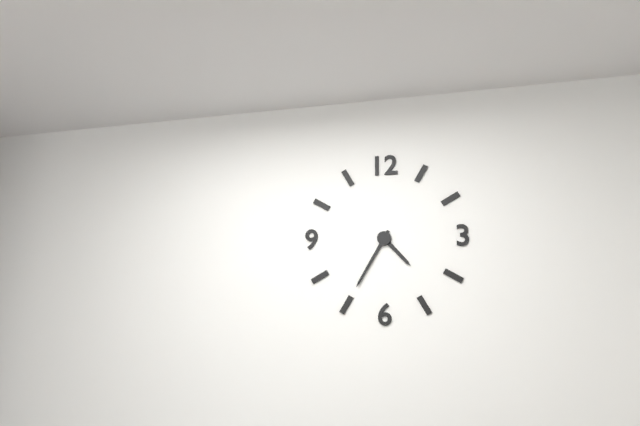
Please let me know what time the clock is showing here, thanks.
4:35
